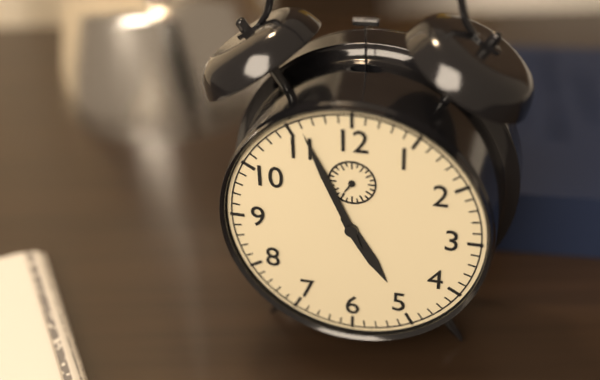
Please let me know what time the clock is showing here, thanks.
4:56
